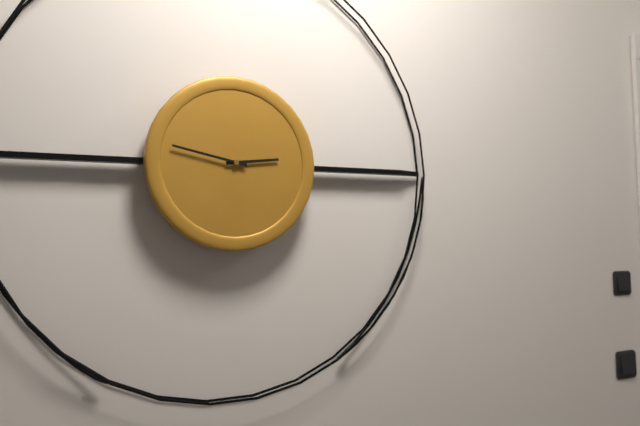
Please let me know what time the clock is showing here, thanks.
2:47
